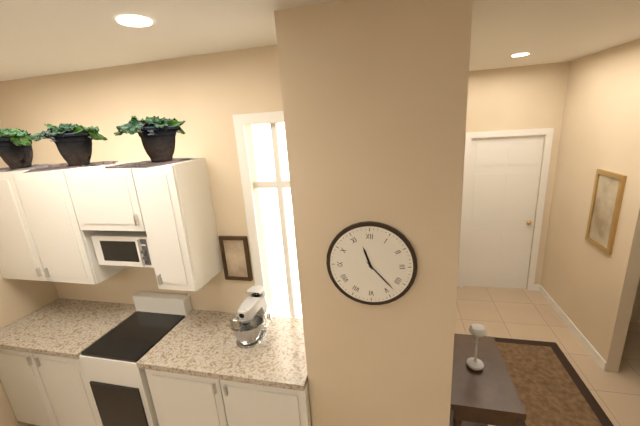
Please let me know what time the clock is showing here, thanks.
11:23
